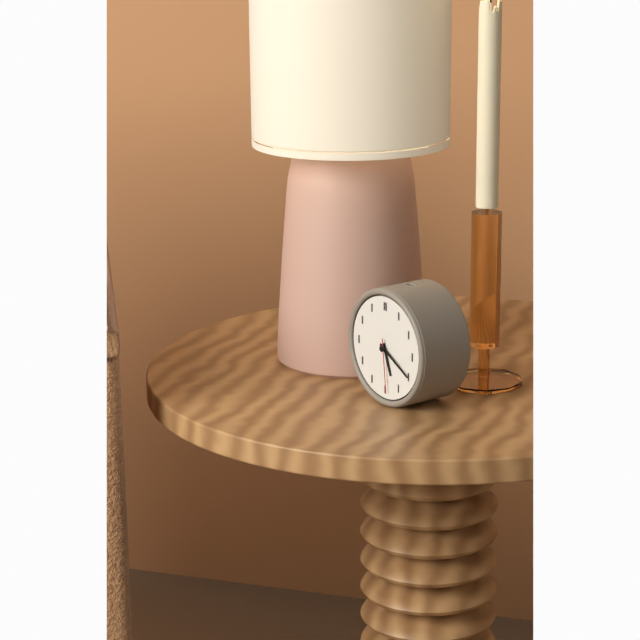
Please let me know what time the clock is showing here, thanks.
5:20:29
